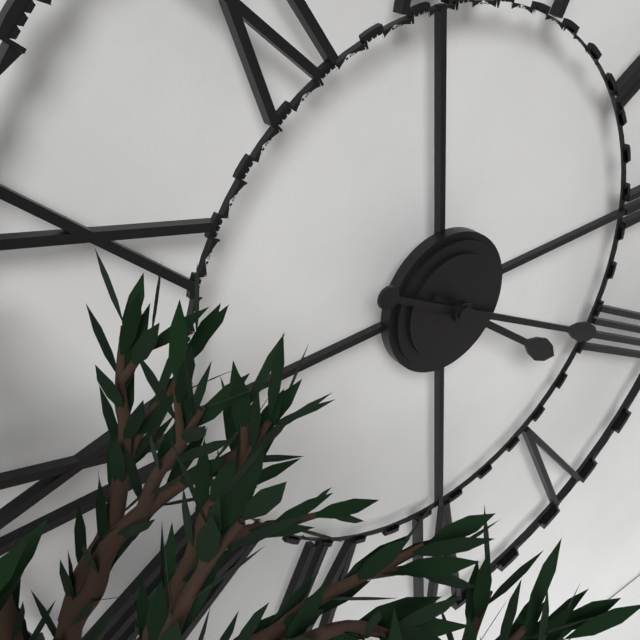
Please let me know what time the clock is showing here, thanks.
4:20
